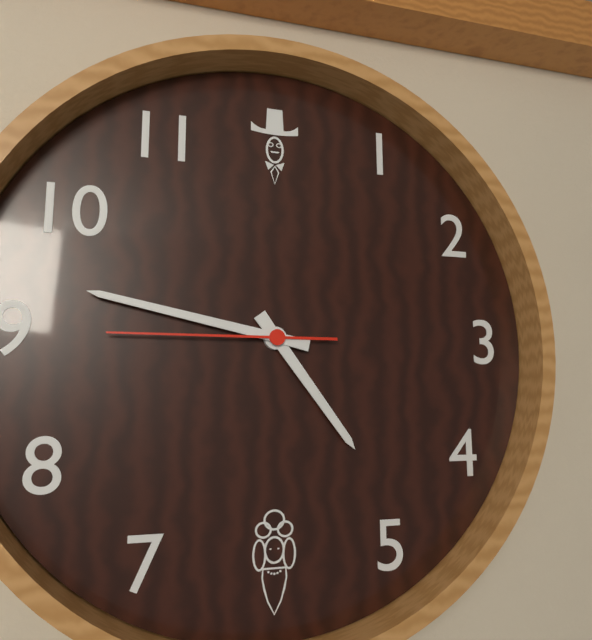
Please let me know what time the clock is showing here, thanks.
4:47:45
